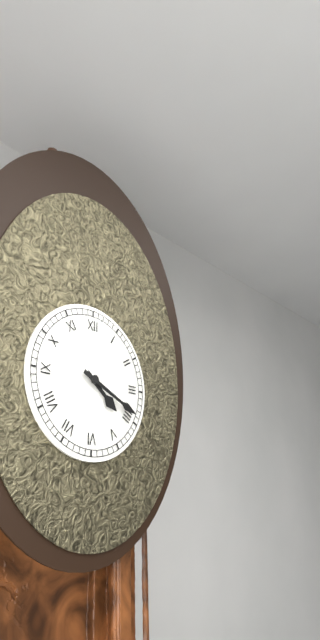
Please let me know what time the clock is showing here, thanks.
4:19
